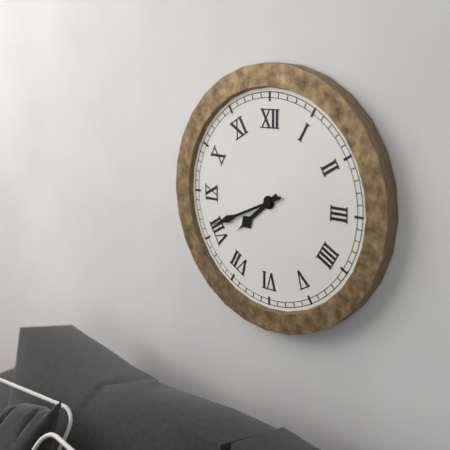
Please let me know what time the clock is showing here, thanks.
7:41
